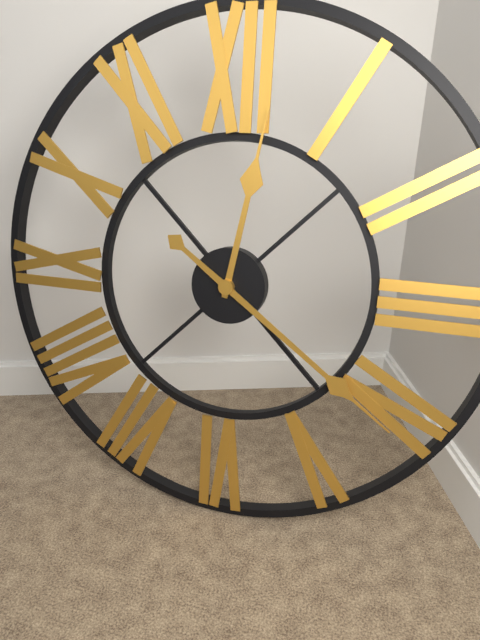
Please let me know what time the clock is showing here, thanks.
12:21
